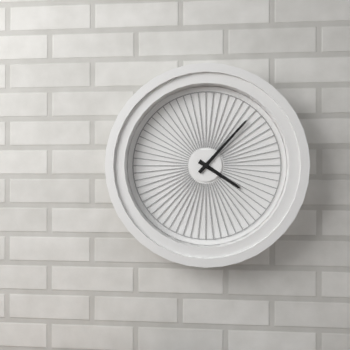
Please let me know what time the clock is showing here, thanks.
4:07
